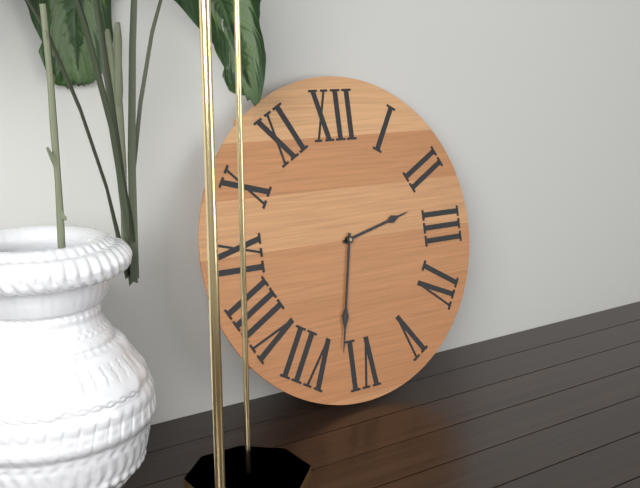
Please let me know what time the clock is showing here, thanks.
2:32
